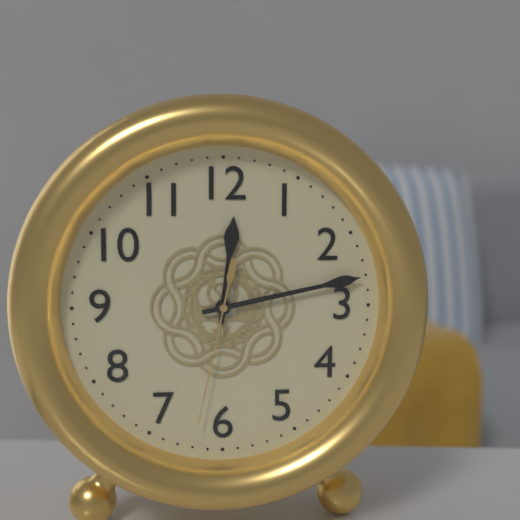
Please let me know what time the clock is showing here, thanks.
12:13:32
